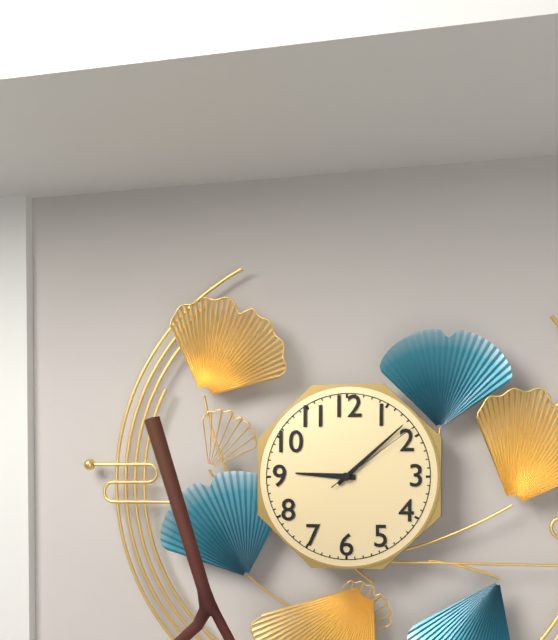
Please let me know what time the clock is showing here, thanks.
9:08:09
